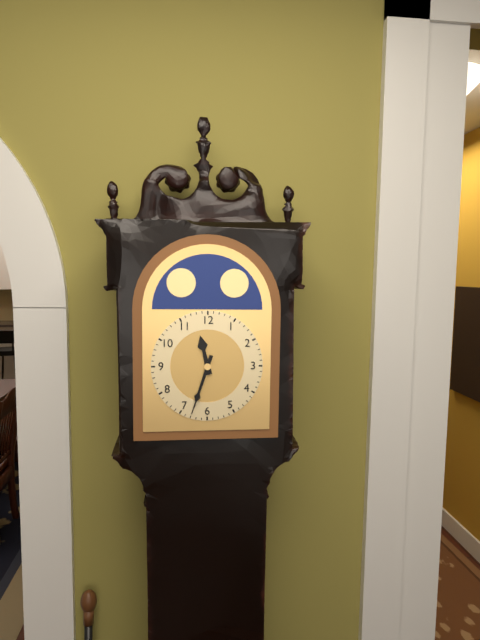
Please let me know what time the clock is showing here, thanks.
11:33
